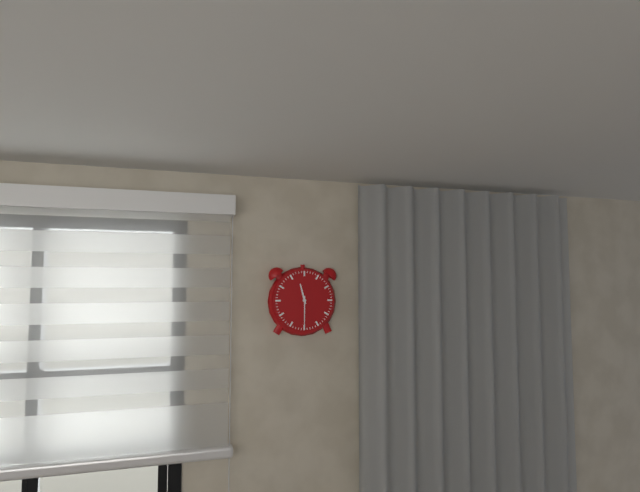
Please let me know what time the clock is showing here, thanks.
11:30
